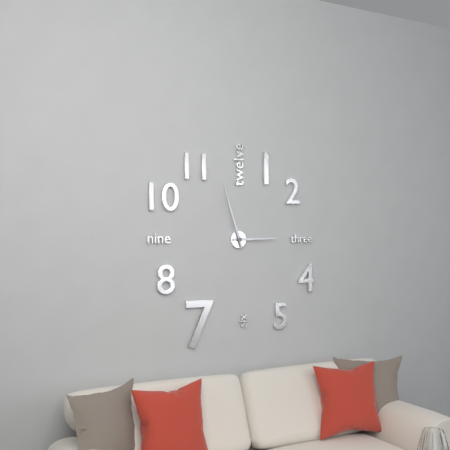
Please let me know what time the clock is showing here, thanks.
2:57
